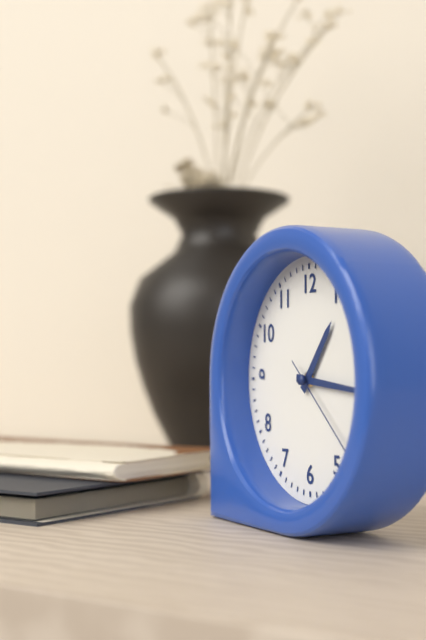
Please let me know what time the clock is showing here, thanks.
1:16:22
